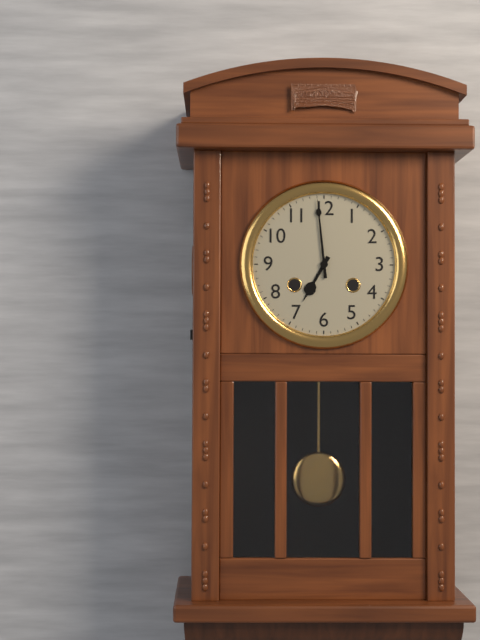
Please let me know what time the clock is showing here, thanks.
6:59
